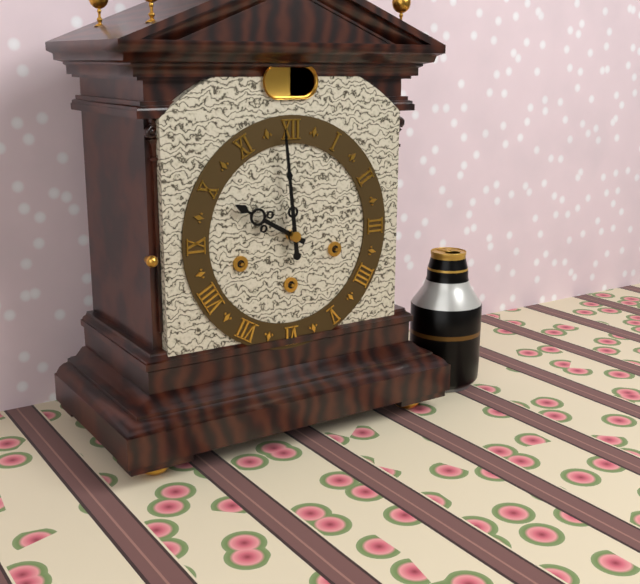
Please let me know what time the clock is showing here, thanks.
9:59
